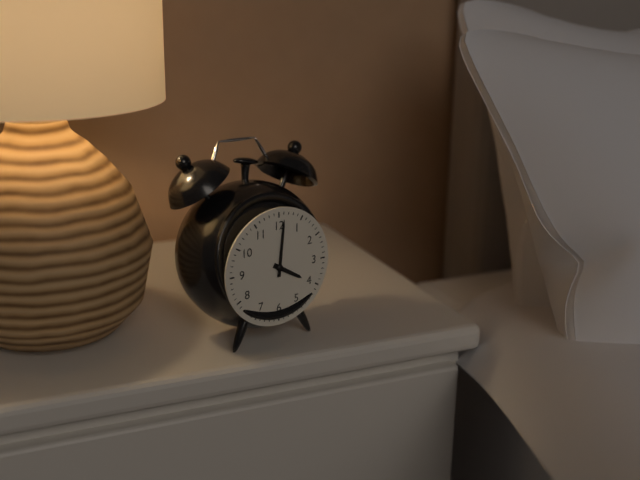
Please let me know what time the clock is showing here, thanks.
4:01
